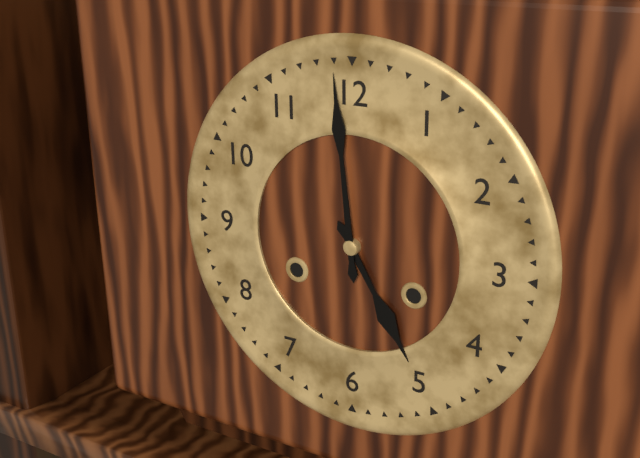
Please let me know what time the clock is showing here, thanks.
4:59
